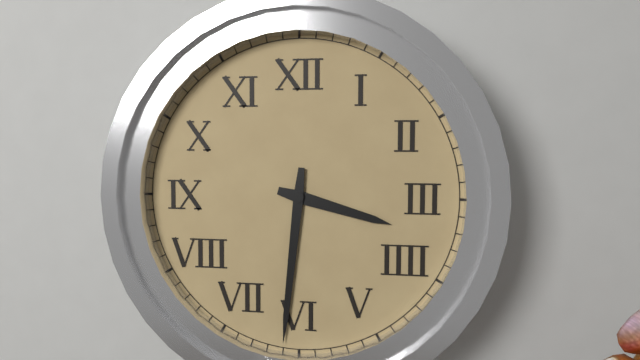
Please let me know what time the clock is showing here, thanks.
3:31
